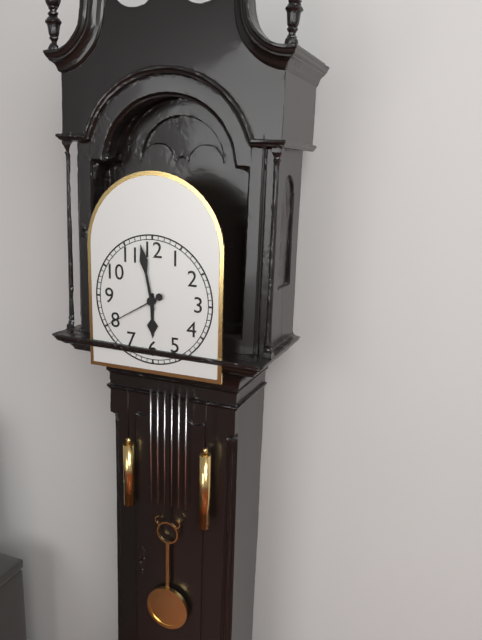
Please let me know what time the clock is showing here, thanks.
5:58:40
